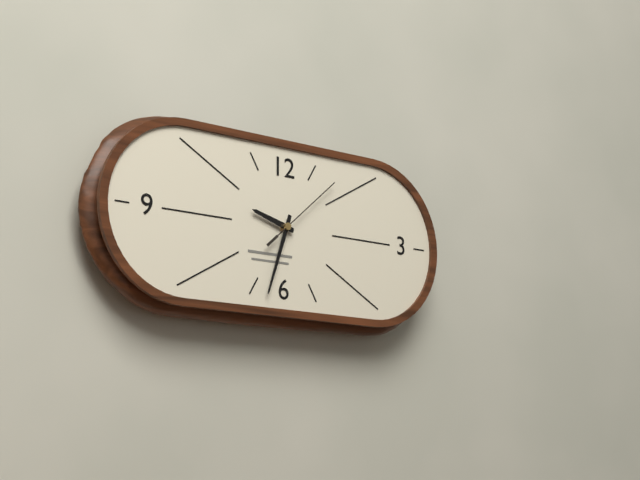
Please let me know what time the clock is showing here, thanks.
9:33:08
